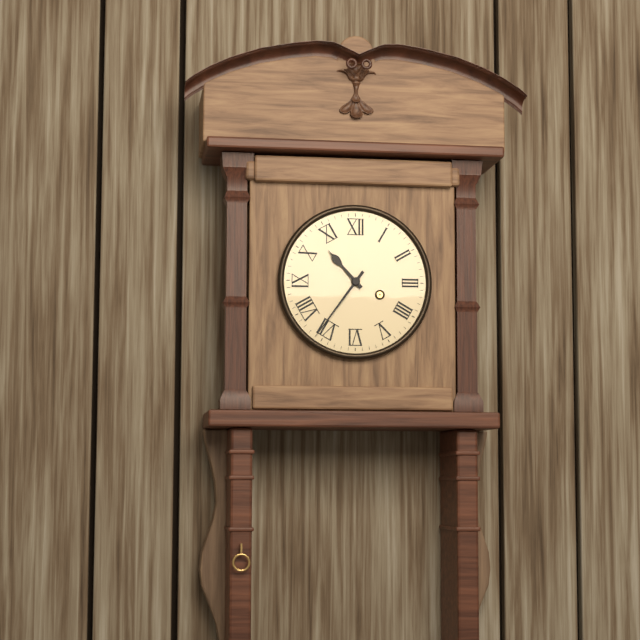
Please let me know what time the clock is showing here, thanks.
10:36
